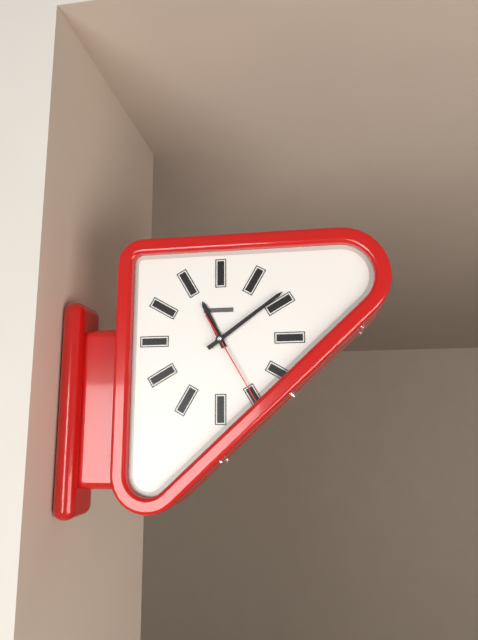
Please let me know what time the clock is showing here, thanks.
11:09:25
